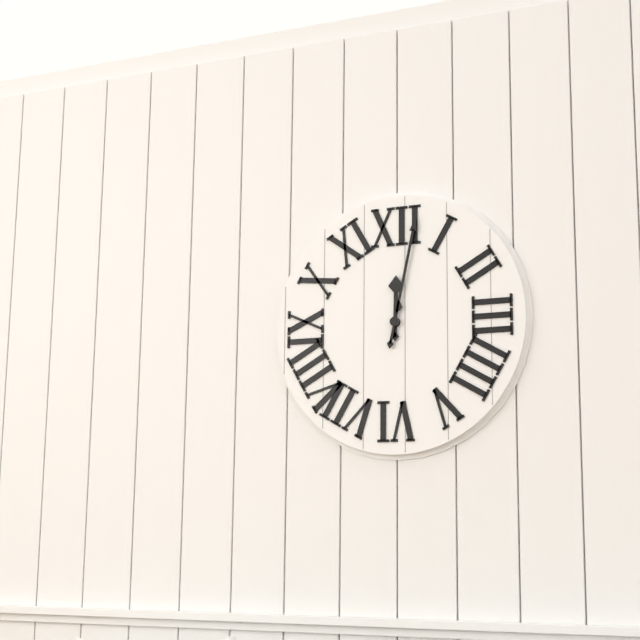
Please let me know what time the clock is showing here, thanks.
12:02
